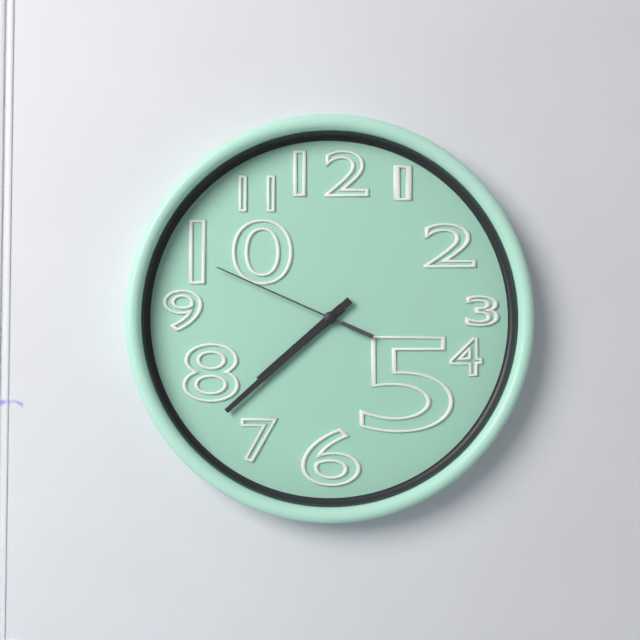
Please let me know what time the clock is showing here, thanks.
7:38:49
